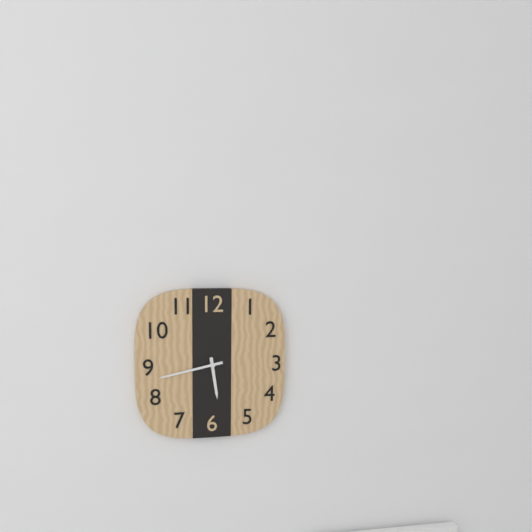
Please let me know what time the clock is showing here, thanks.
5:43
